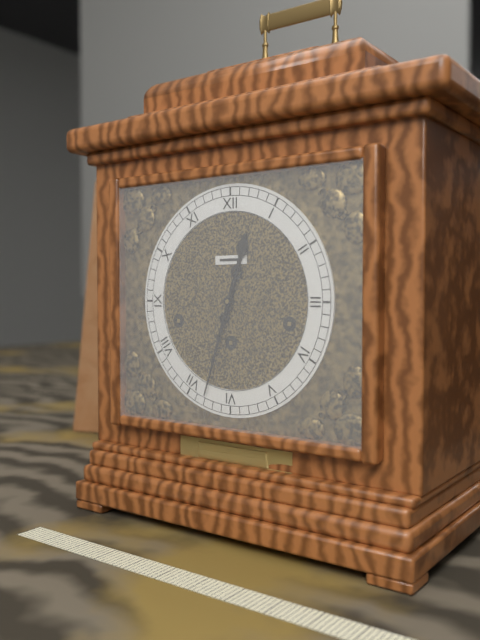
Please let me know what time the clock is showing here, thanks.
12:33
